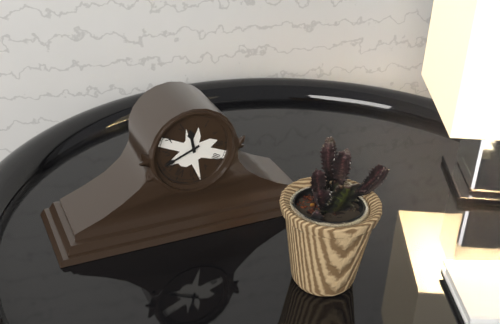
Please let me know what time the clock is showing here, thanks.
11:41
